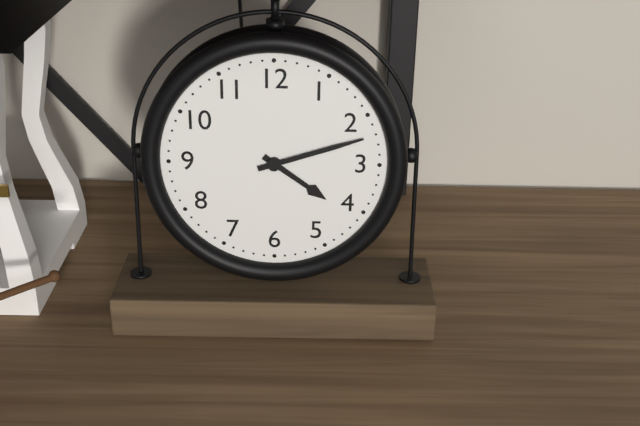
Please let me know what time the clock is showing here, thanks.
4:12
